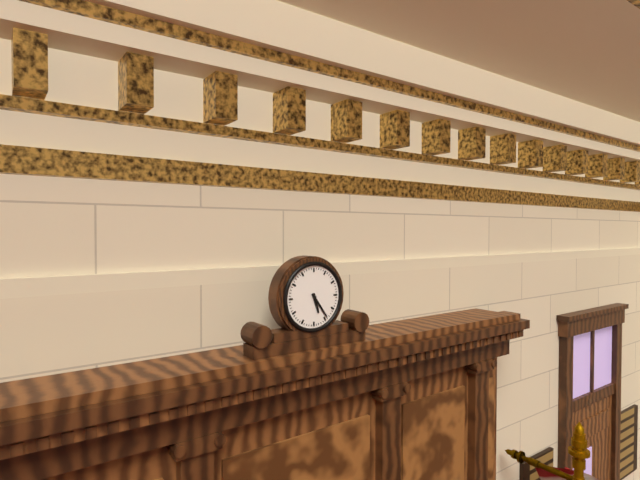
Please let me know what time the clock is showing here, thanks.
5:24
